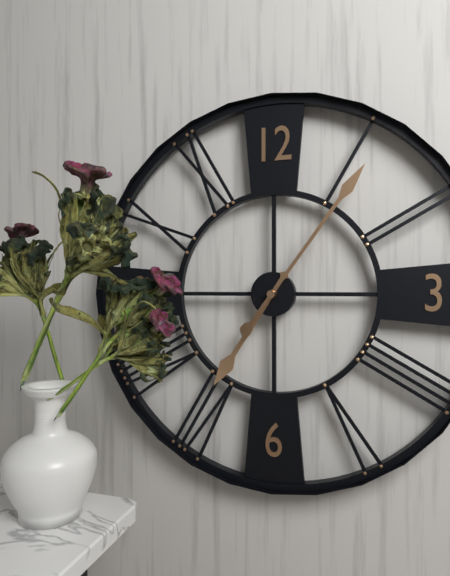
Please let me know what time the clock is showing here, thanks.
7:06
